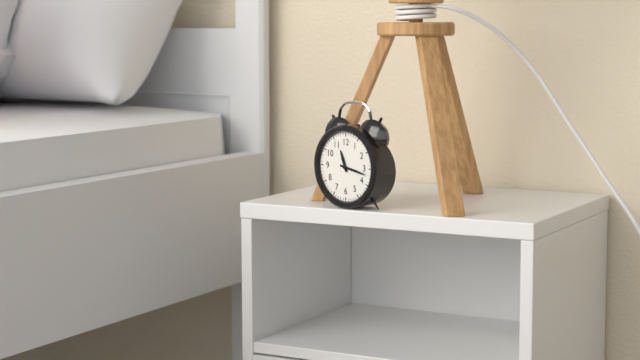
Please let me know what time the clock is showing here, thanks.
11:17
